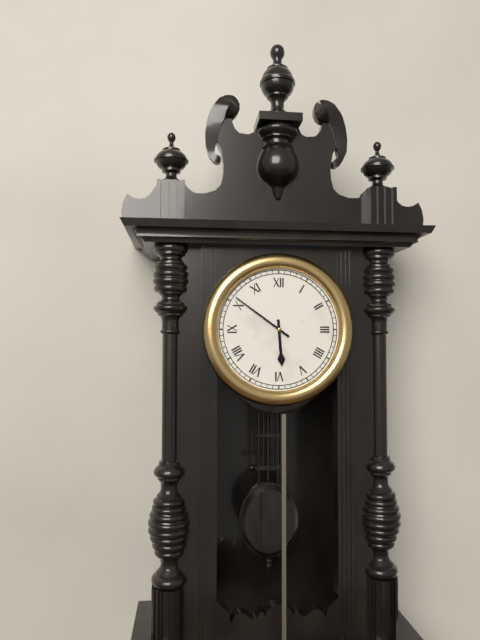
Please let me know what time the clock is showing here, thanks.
5:51
